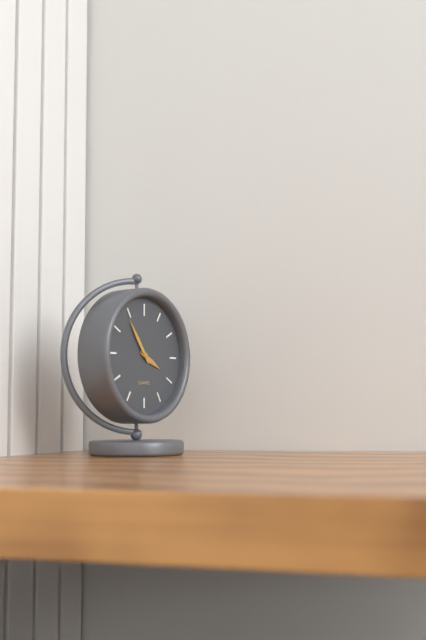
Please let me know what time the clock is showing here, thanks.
3:54
